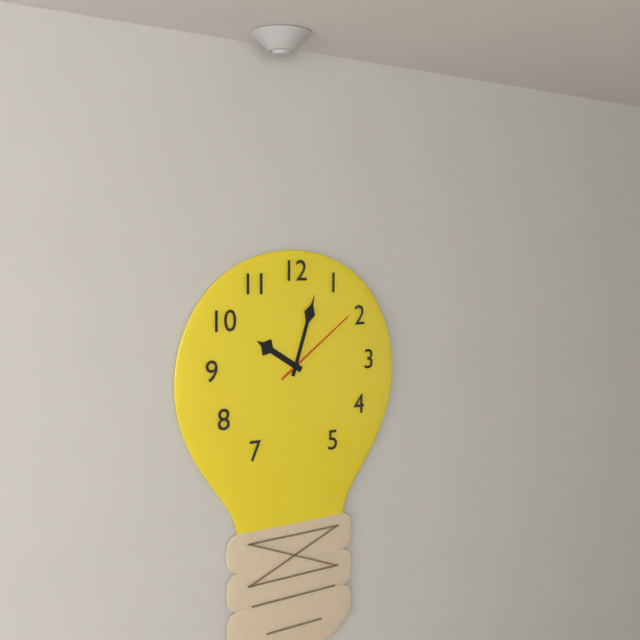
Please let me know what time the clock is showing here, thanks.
10:03:09
